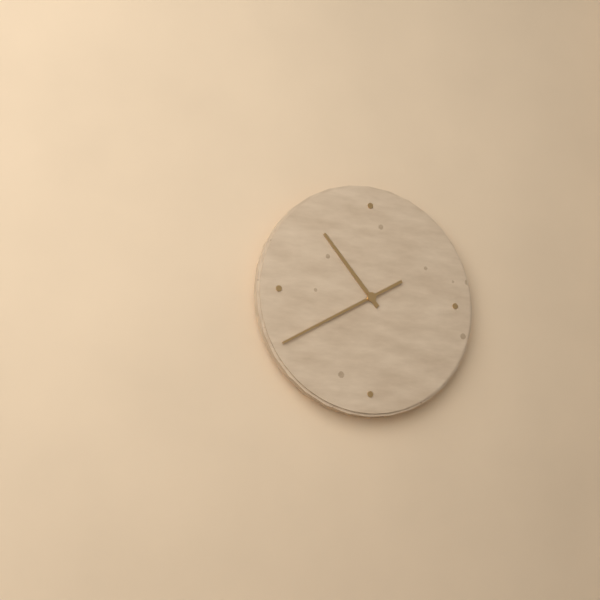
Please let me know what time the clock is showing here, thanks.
10:40
